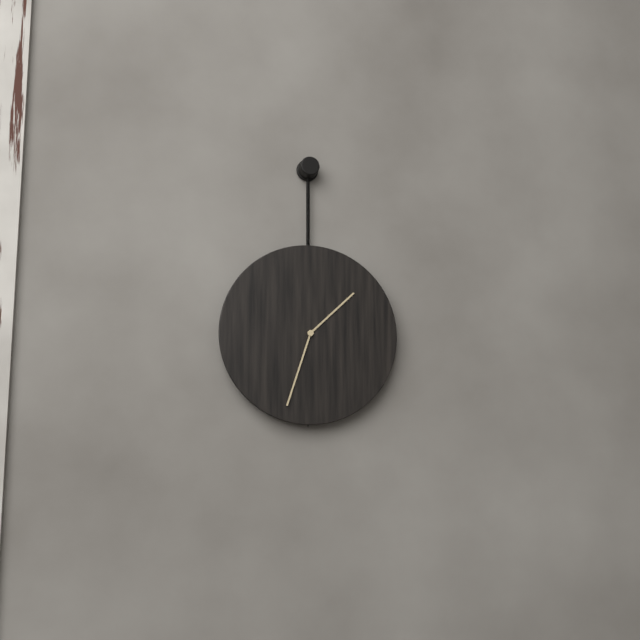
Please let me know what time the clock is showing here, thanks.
1:33
